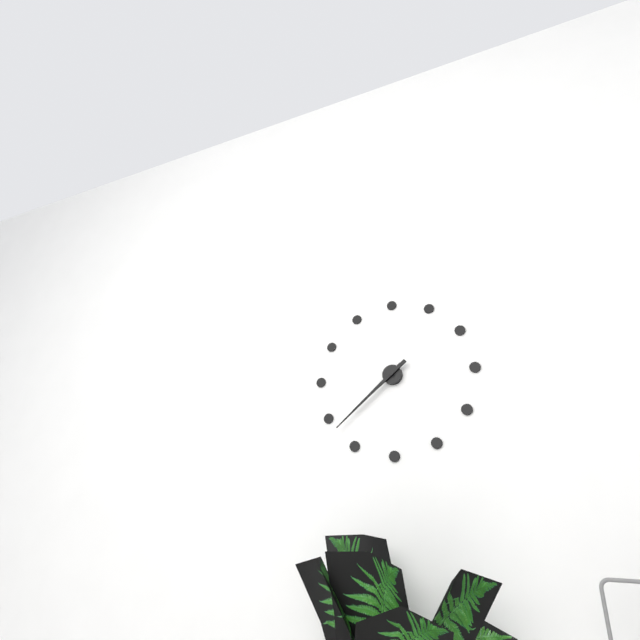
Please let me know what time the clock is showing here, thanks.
7:38
